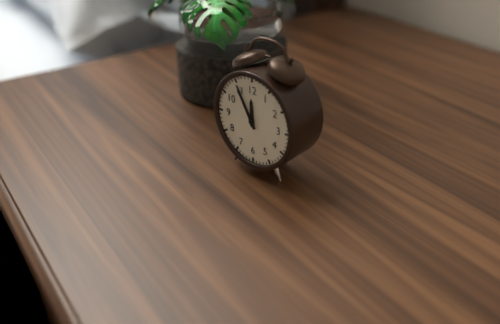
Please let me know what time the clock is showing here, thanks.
11:55
